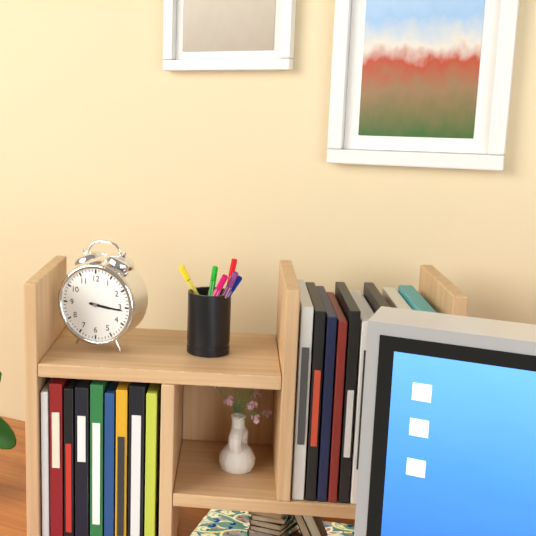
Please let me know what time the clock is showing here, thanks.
3:16
